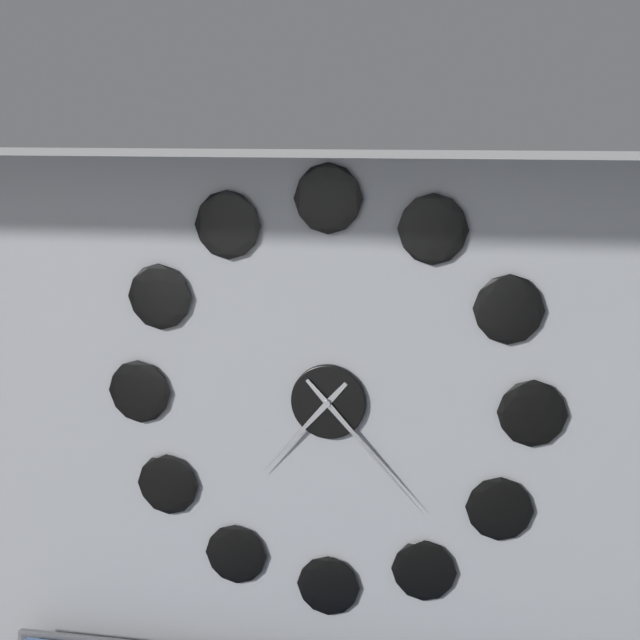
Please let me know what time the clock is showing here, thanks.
7:23
